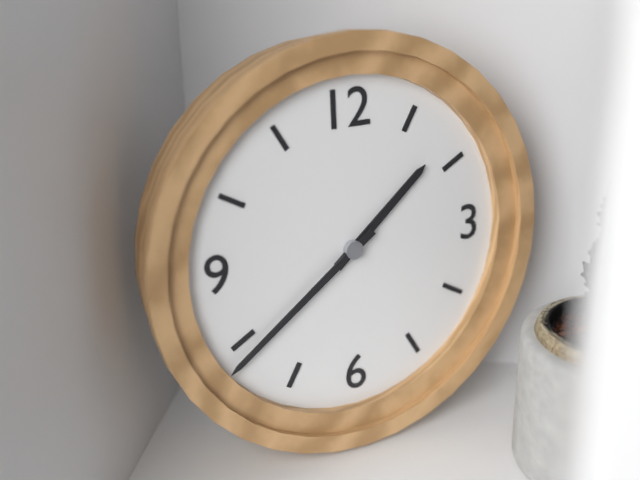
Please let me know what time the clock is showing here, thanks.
1:39
